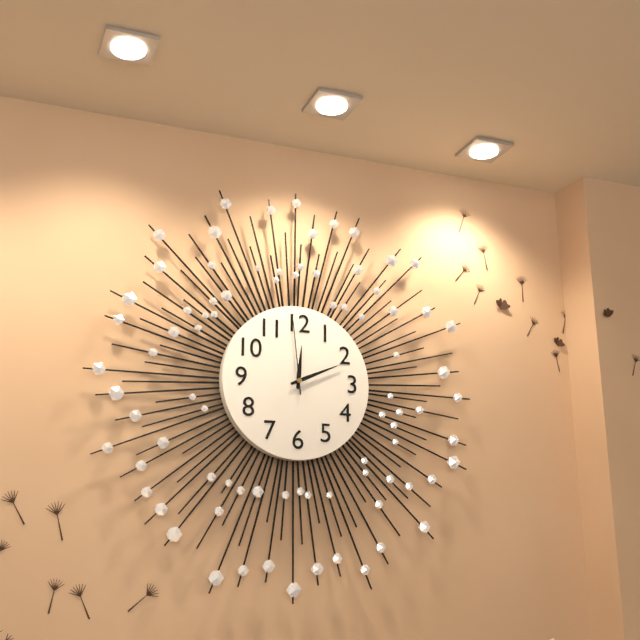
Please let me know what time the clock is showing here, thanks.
12:11:59
